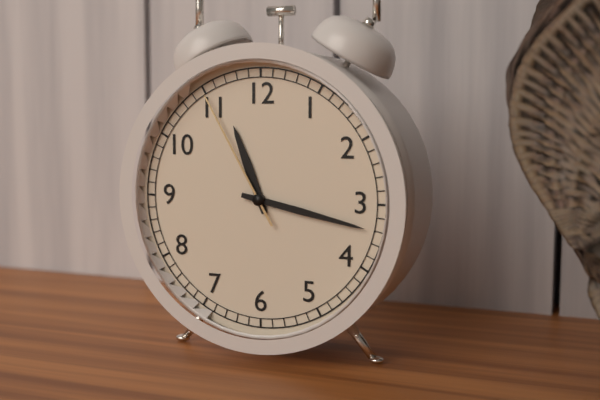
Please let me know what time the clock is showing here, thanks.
11:17:55
